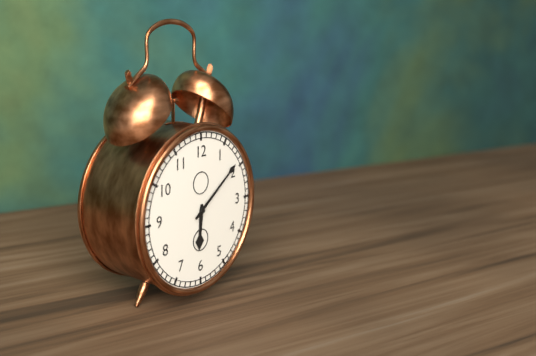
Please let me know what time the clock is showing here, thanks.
6:09
